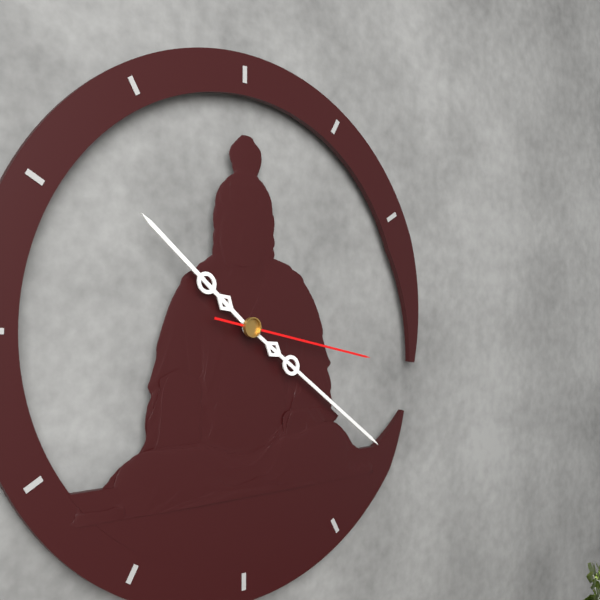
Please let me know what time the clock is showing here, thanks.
10:21:17
